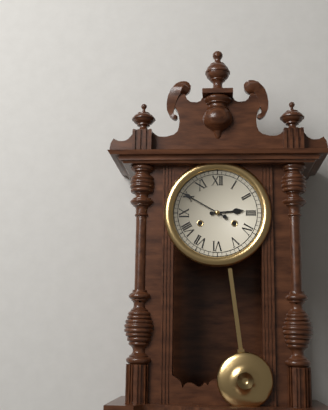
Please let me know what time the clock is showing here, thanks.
2:50
